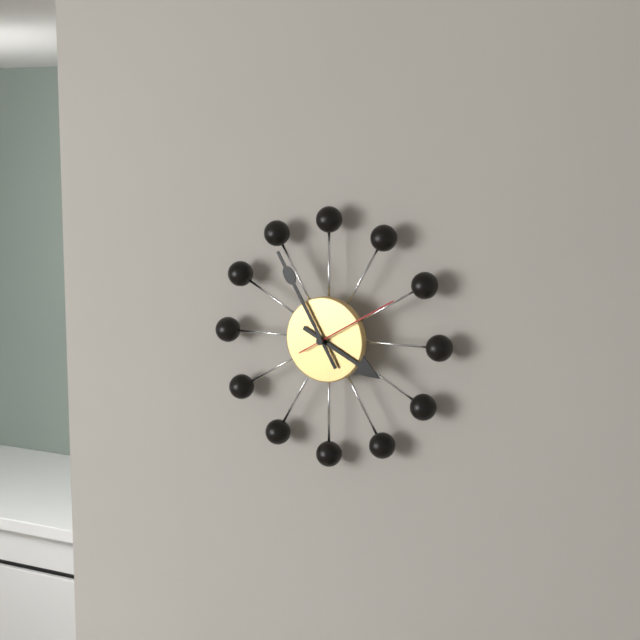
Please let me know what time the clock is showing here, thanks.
3:55:10
